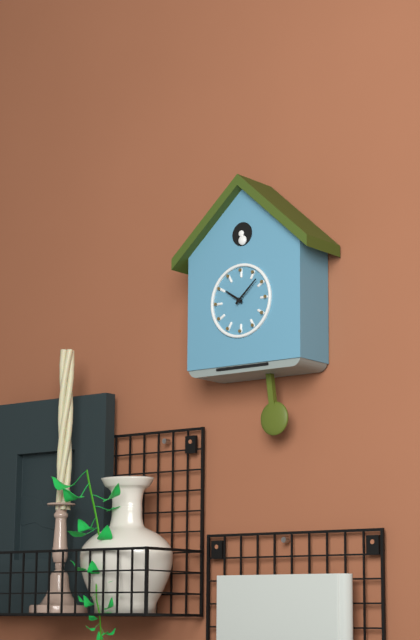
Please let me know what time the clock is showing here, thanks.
10:08
